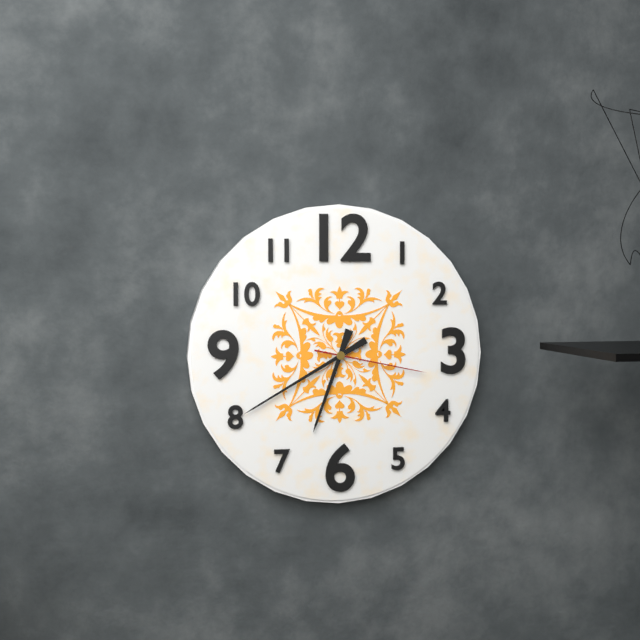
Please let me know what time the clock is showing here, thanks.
6:40:17
